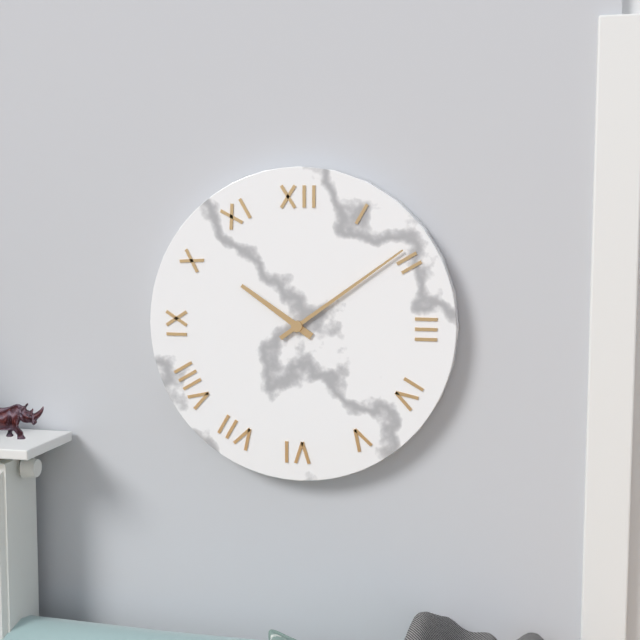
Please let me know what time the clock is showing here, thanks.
10:09
